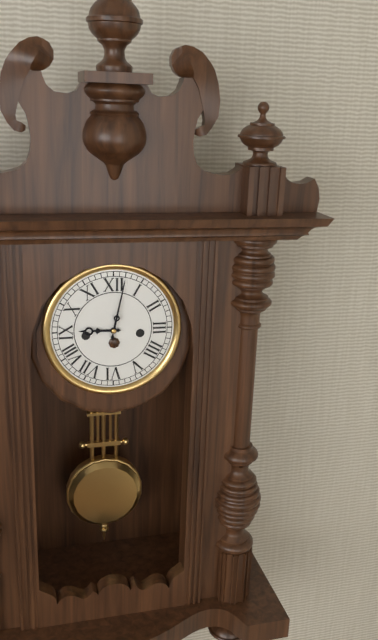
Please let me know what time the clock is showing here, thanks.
9:02
